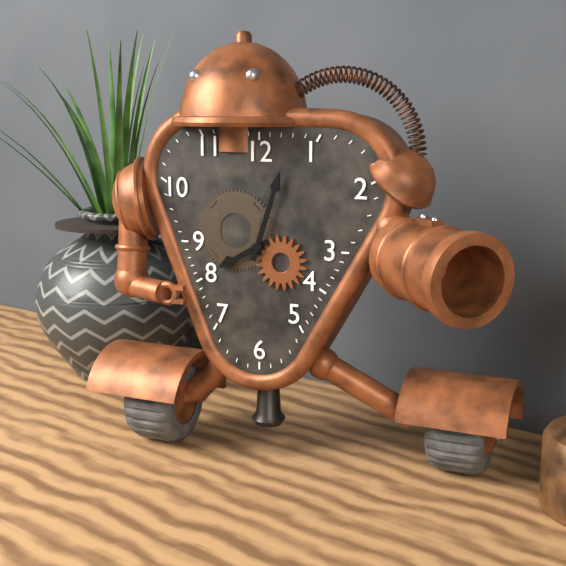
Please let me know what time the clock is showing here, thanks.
8:03
